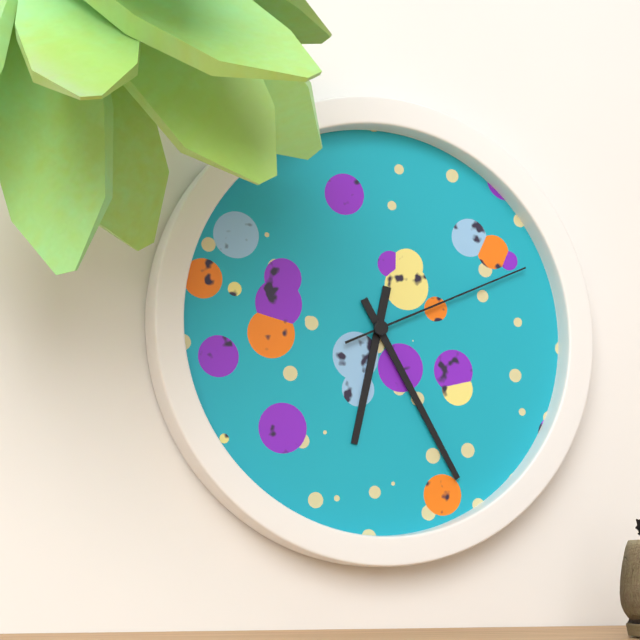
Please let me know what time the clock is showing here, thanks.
6:25:11
